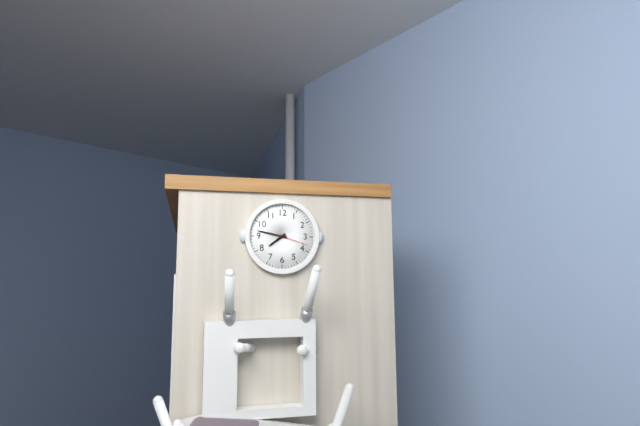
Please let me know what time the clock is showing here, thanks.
7:47
